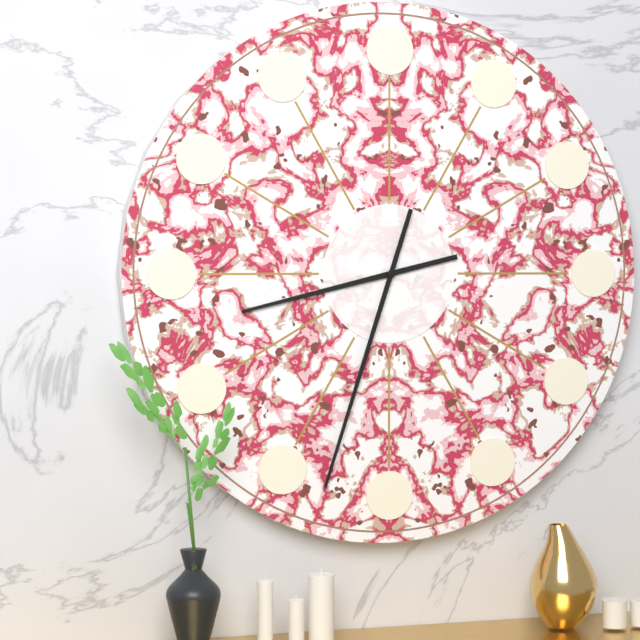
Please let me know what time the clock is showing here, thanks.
8:33
